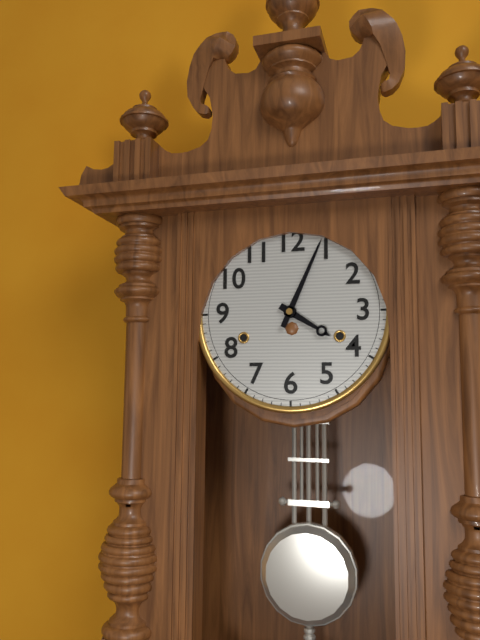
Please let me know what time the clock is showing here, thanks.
4:04
